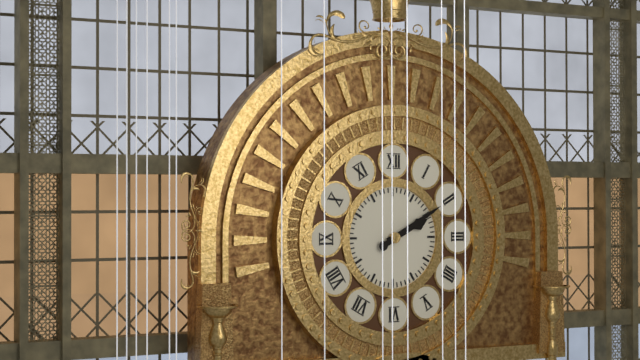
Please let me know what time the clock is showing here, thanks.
2:10
